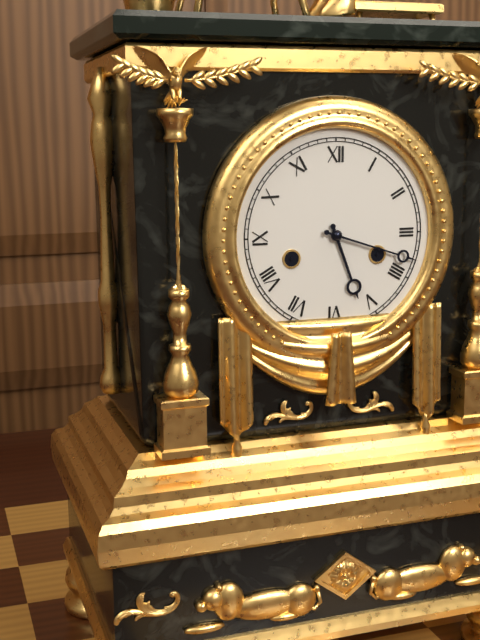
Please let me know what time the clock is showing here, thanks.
5:18
